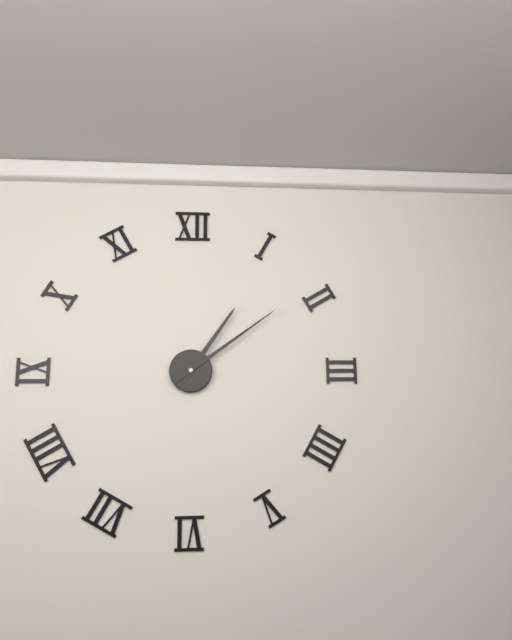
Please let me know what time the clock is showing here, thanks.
1:09
